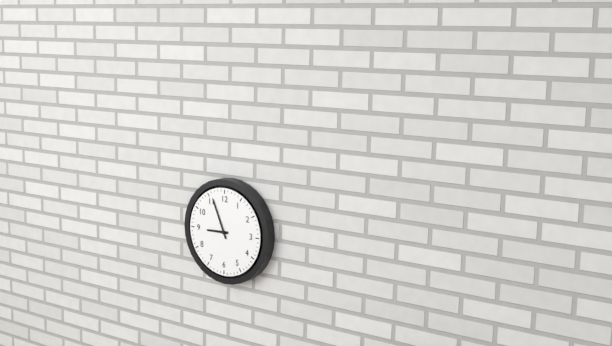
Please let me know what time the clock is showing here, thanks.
8:56
